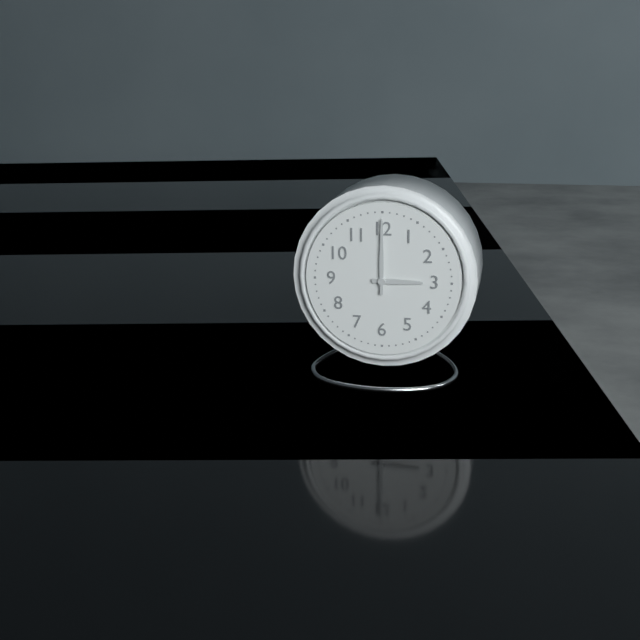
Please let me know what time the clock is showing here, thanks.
3:00
